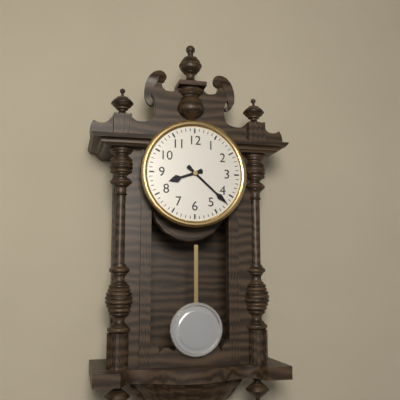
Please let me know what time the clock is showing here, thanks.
8:22
